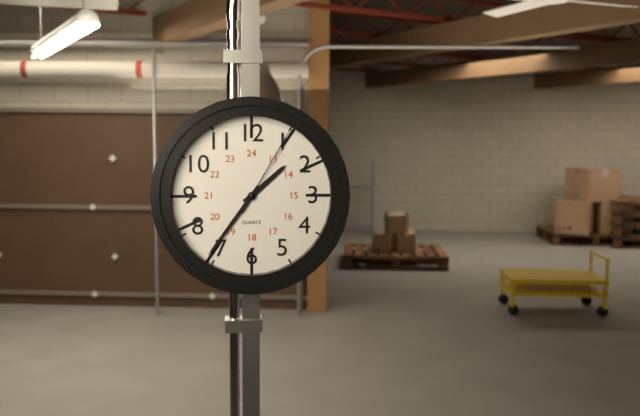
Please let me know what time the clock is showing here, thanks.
1:36:05
